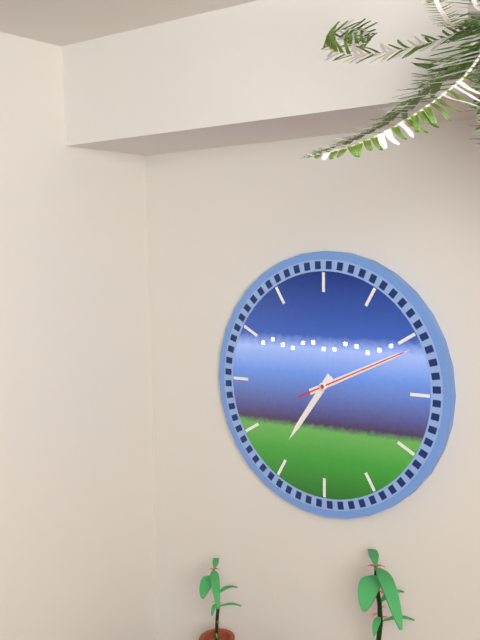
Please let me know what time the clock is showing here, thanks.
7:11:11
